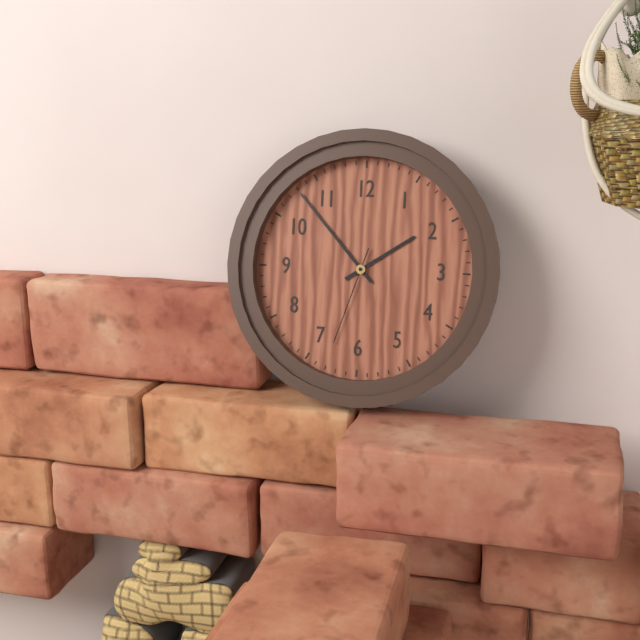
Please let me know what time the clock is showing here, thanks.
1:53:33
